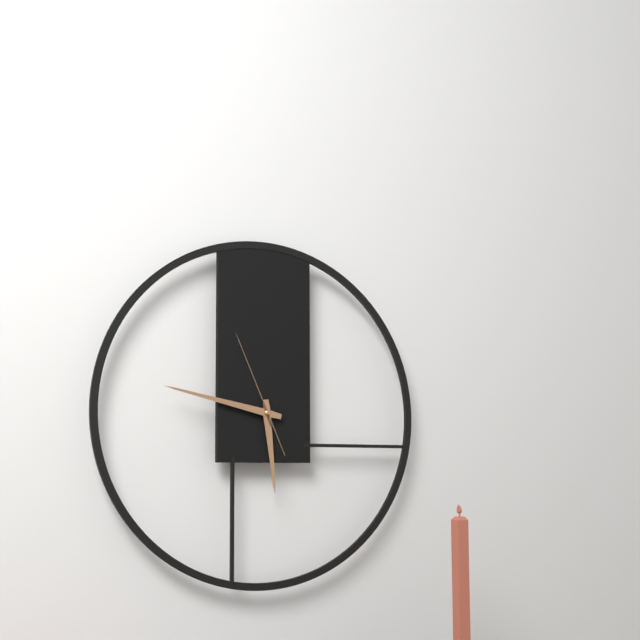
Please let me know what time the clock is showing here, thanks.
5:47:56
